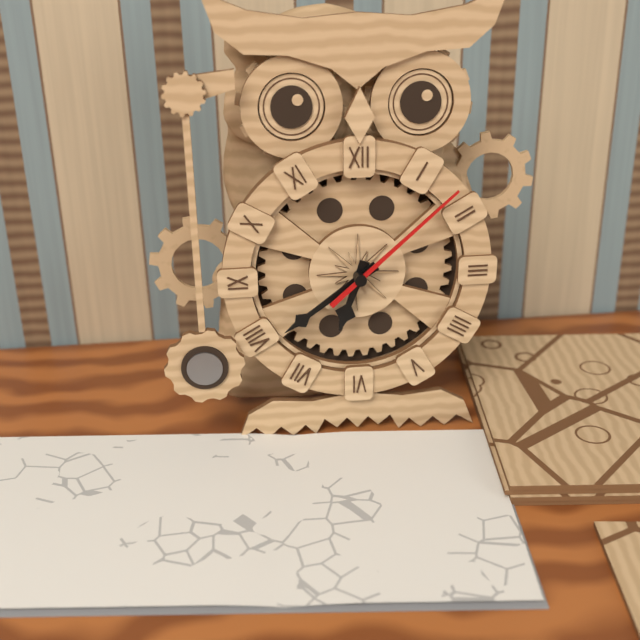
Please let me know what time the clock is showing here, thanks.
6:39:08
